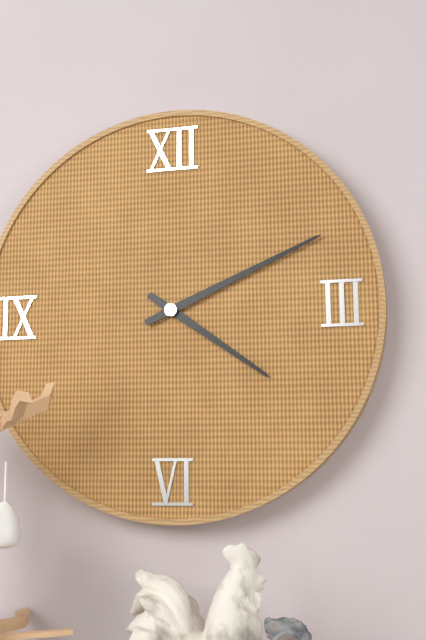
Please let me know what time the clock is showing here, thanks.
4:11
